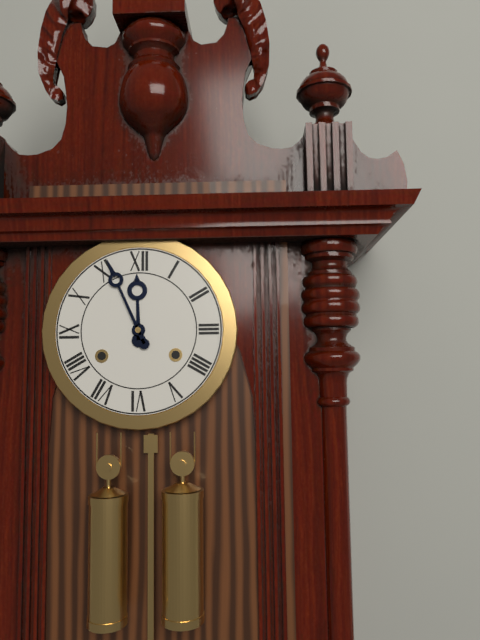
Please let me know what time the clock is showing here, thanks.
11:56
